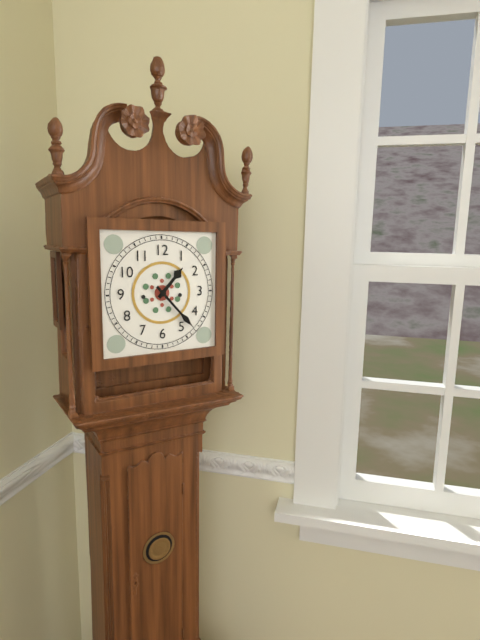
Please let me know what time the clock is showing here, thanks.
1:23
